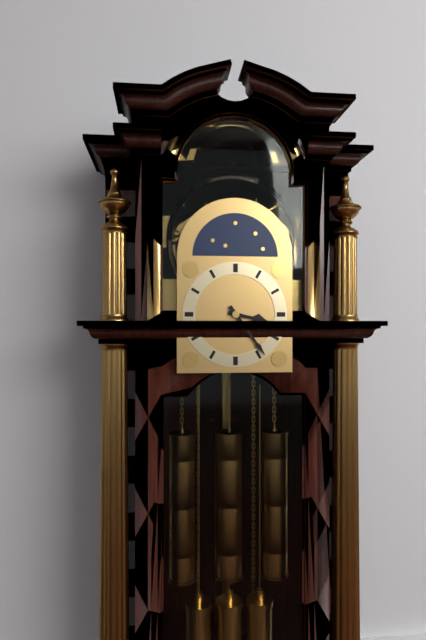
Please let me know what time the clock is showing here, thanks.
3:24
